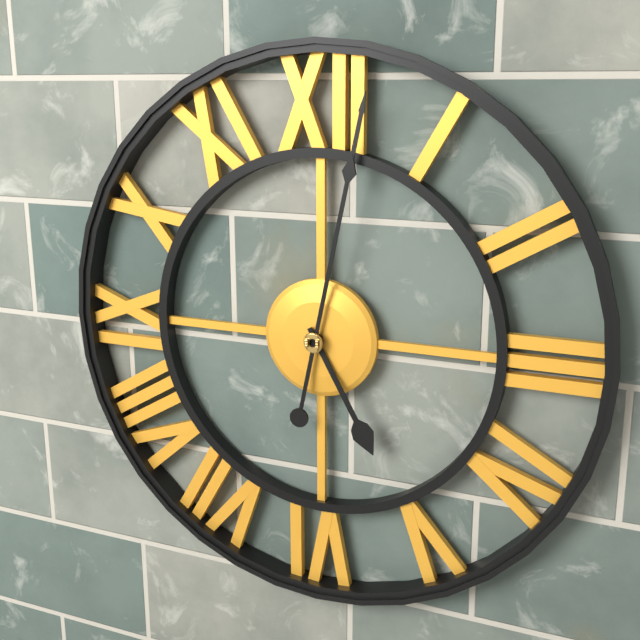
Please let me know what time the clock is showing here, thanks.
5:02
